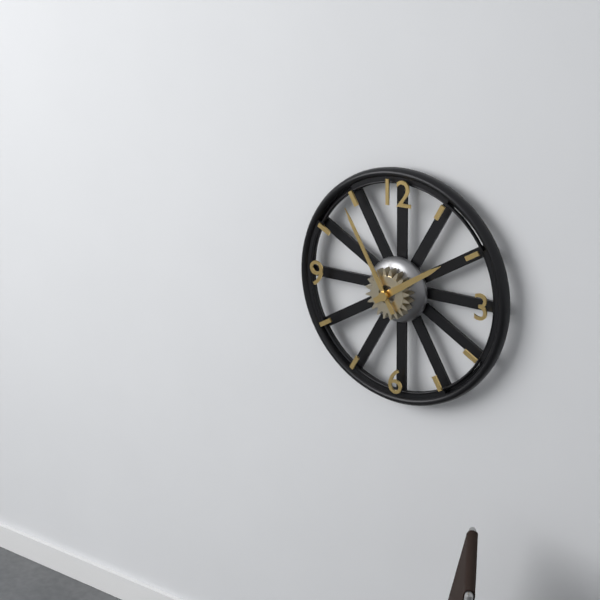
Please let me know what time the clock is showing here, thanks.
1:55
